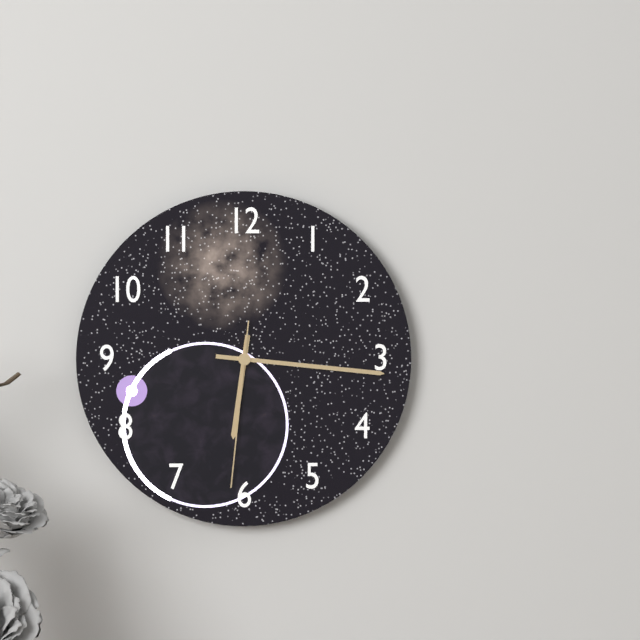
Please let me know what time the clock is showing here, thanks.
6:16:31
